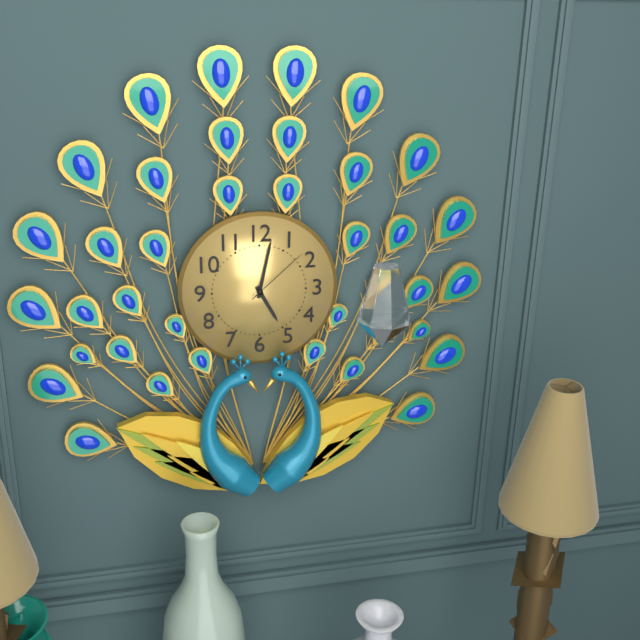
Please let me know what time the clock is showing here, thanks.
5:02:08
